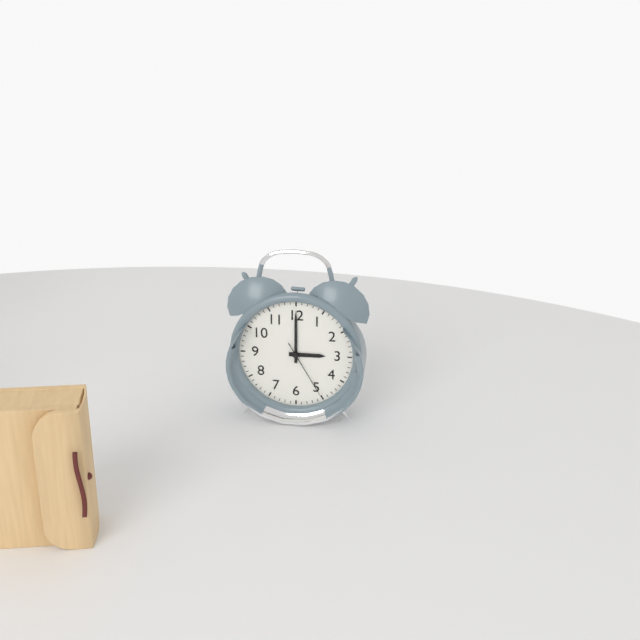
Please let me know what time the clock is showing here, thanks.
3:00:25
